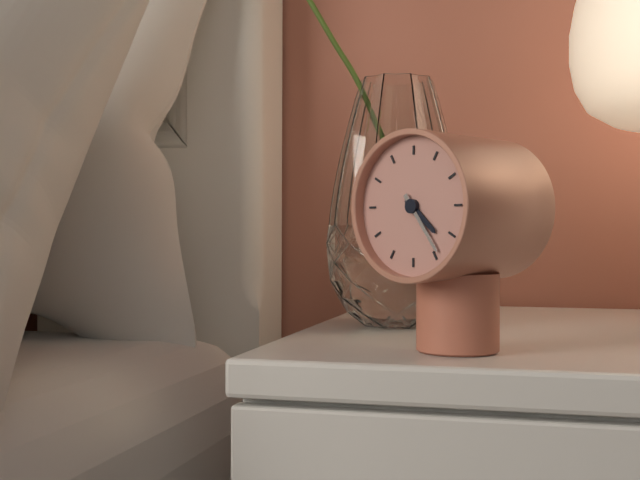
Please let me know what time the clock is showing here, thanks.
4:24
